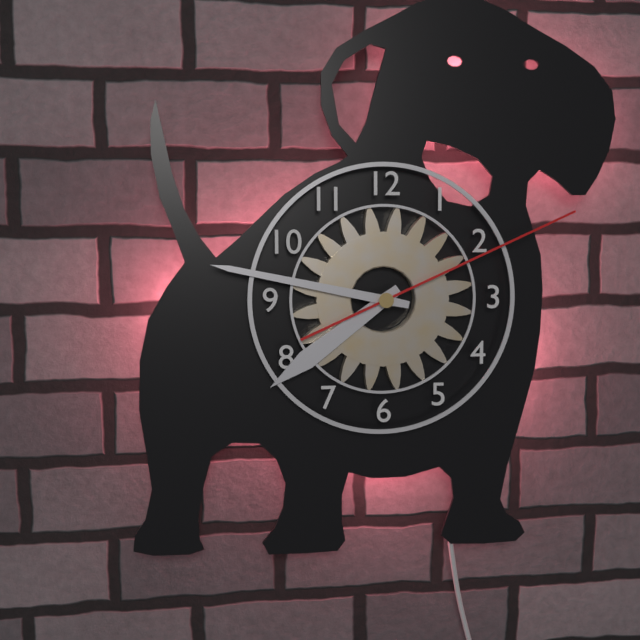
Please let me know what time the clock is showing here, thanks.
7:47:11
